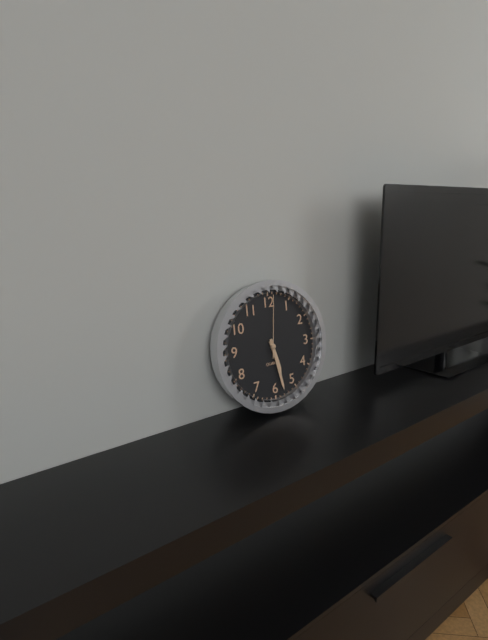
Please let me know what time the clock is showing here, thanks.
5:28:01
